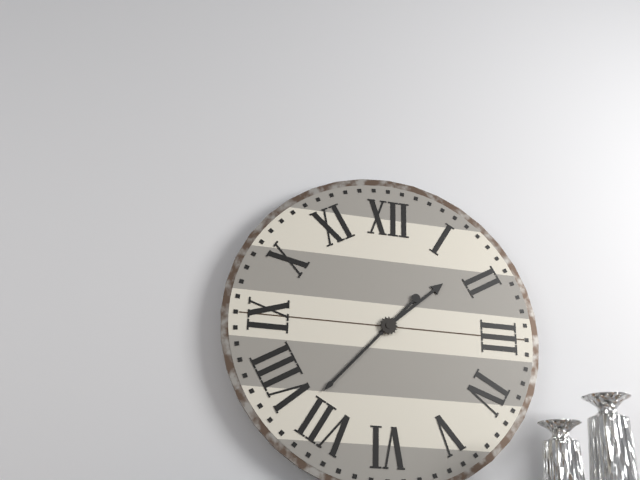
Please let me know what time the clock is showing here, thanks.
1:37
